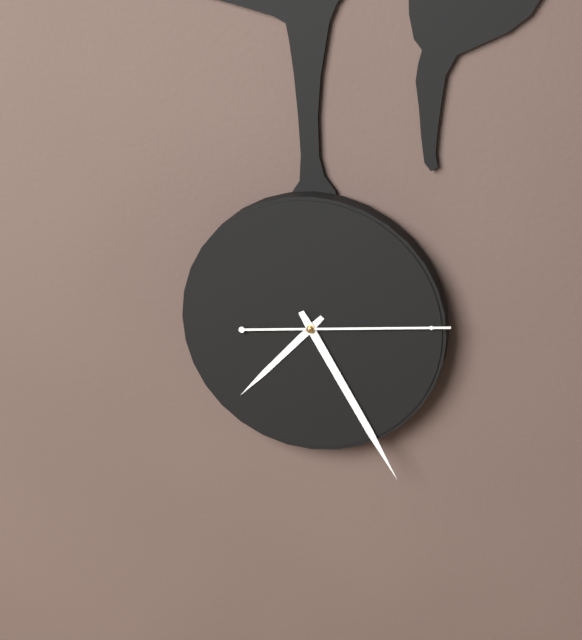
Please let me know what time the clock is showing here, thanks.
7:25:14
